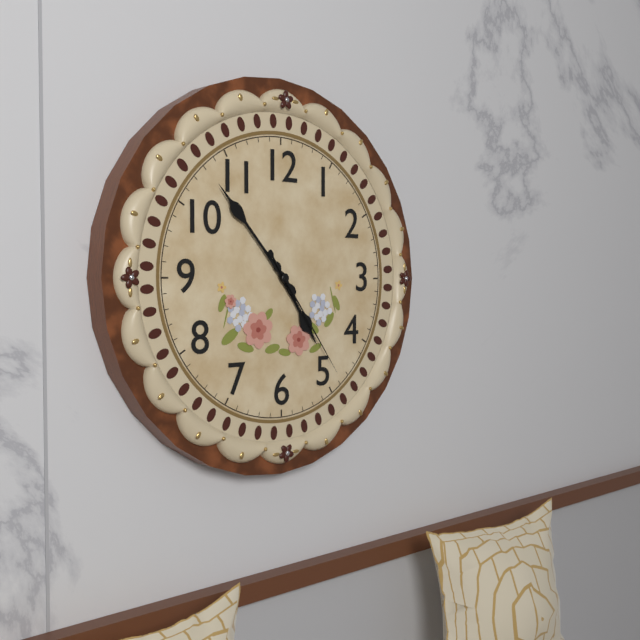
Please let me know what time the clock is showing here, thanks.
4:53:24
